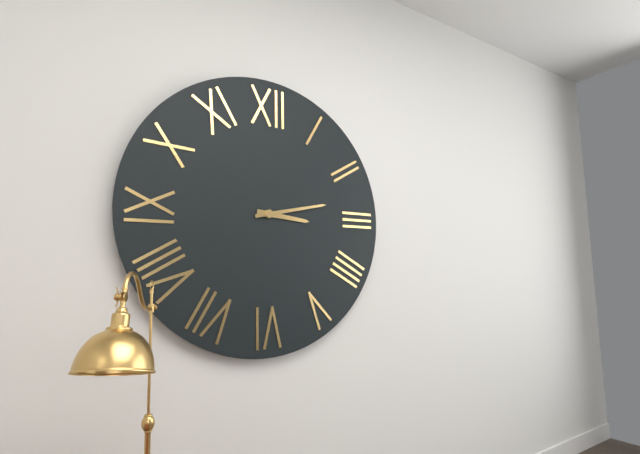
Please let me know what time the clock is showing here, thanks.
3:13
